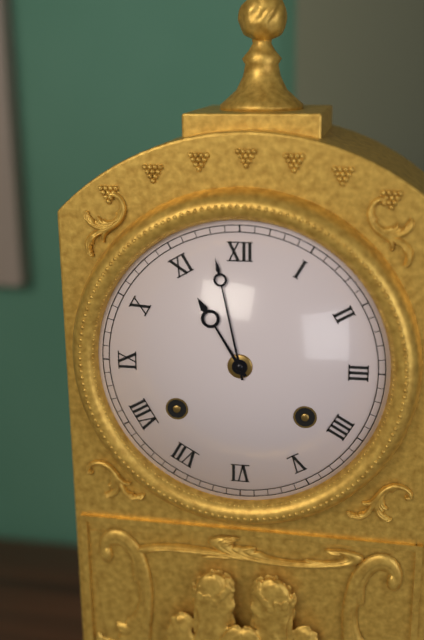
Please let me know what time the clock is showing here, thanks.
10:58
